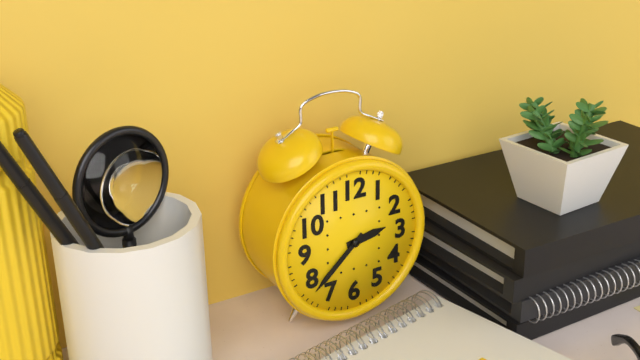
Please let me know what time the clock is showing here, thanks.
2:38
